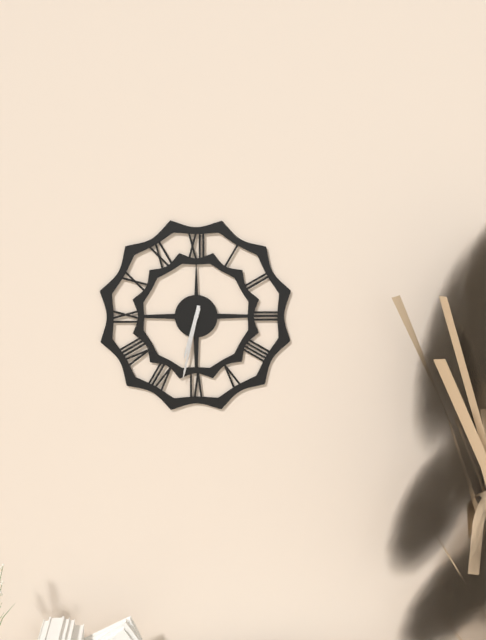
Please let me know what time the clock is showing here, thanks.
6:32
